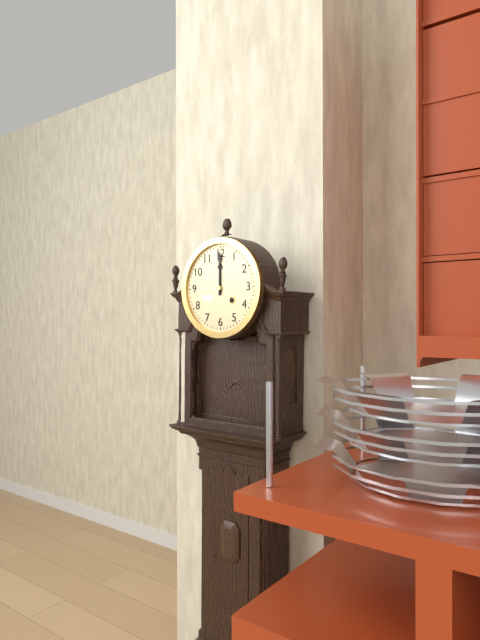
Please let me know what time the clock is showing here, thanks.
12:00
